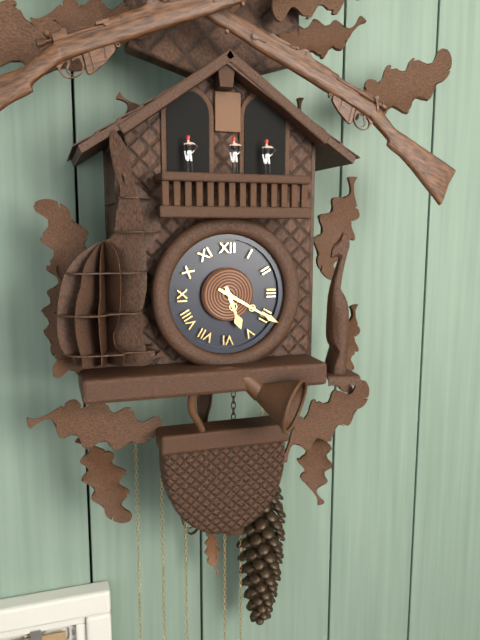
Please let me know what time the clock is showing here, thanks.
5:20
